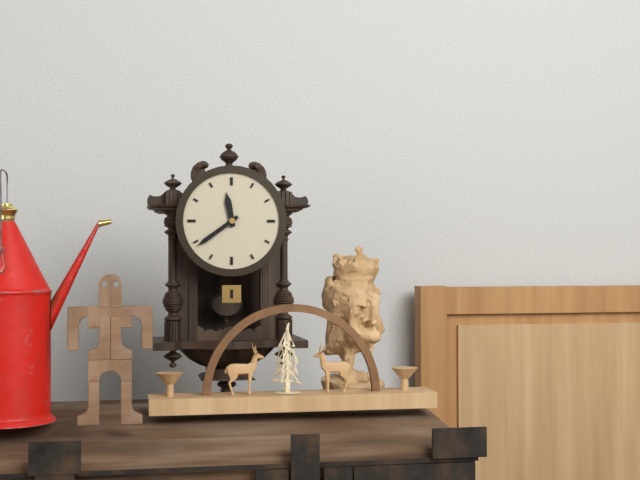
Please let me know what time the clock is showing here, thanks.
11:39
